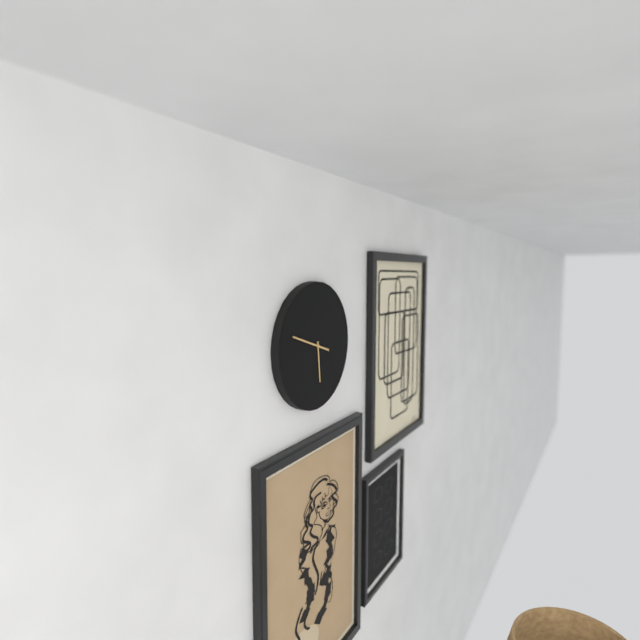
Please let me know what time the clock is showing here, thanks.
5:48
